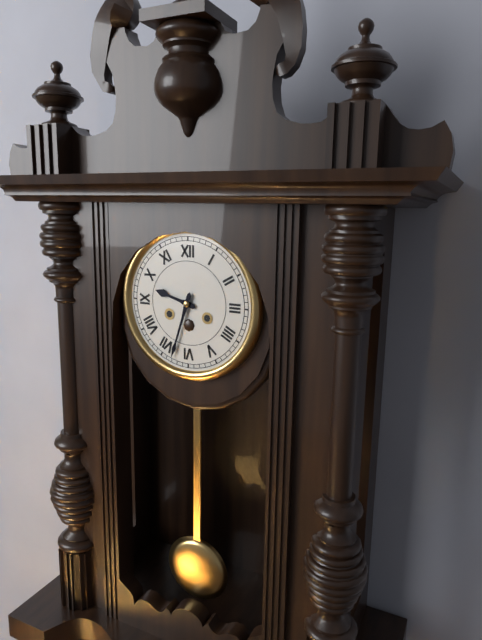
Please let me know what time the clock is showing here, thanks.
9:33
